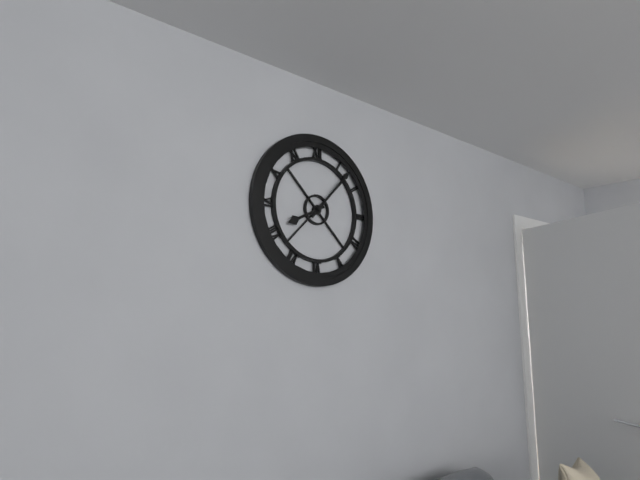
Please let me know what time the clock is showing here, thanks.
8:07
